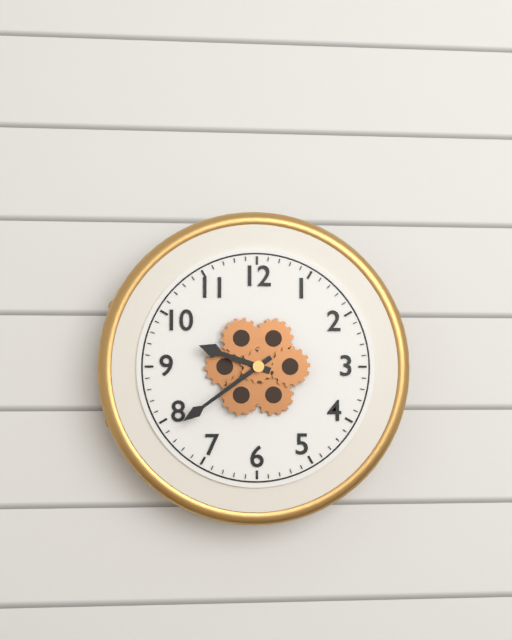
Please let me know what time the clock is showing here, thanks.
9:39
